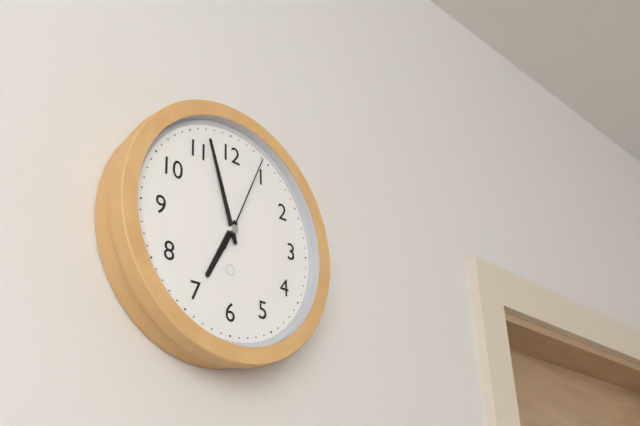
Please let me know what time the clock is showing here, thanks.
6:57:04
